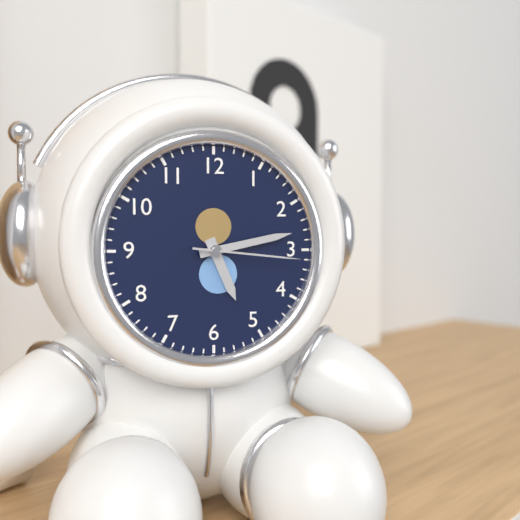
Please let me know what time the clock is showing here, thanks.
5:13:16
